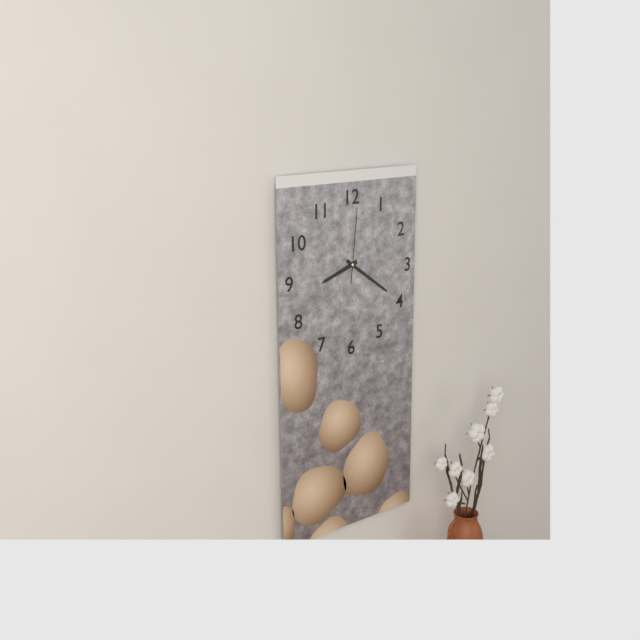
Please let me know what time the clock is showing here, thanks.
8:21:01
